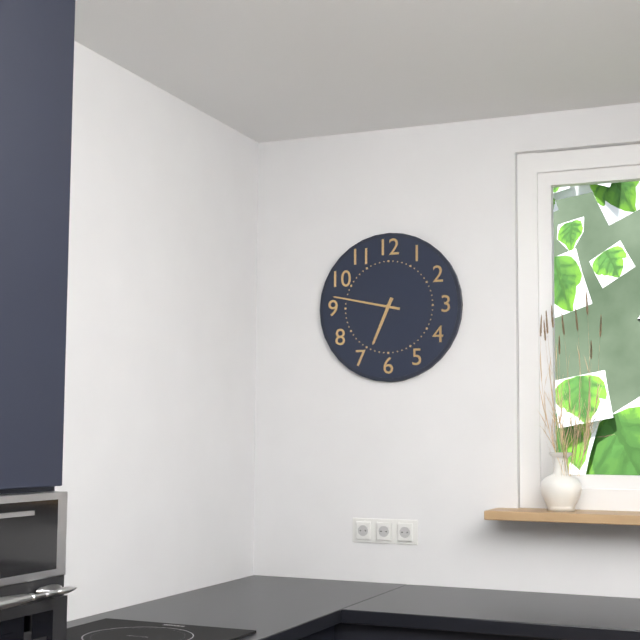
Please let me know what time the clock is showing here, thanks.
6:47
